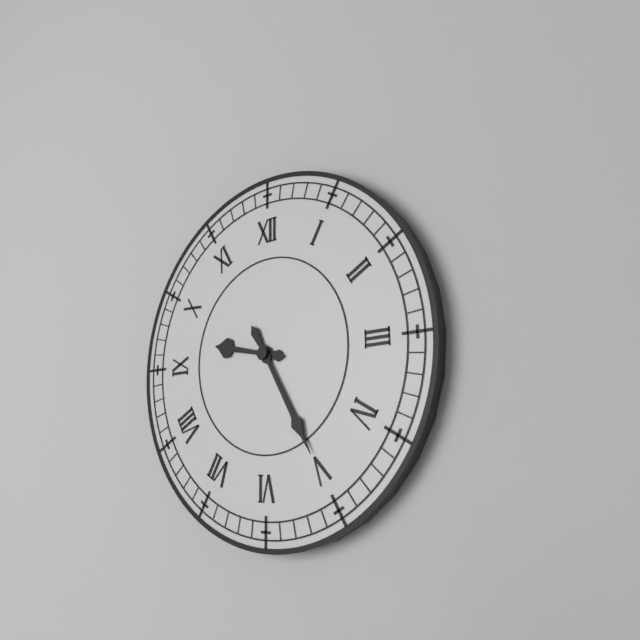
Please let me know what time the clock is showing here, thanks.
9:25
